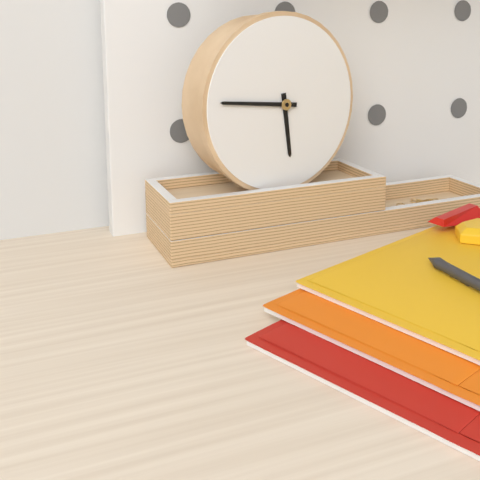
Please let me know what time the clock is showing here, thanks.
5:46
